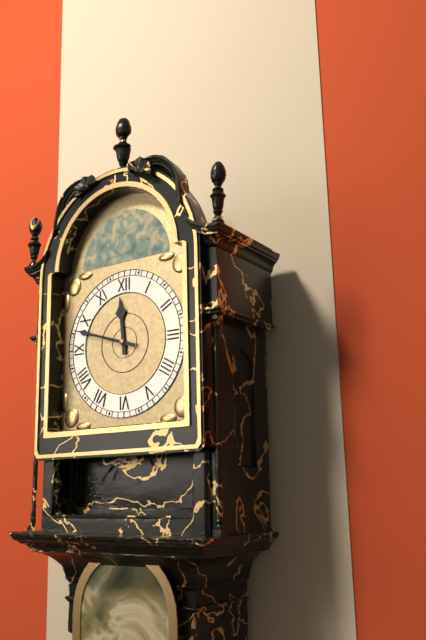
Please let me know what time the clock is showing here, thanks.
11:48
